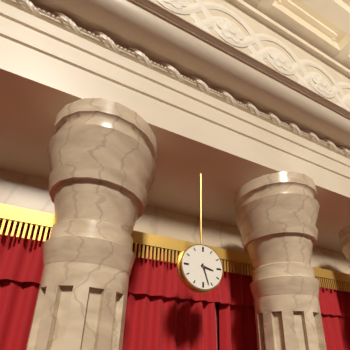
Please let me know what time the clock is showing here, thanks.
3:27
